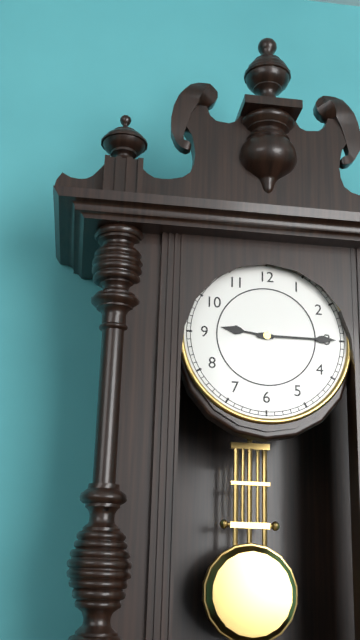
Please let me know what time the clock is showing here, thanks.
9:15
